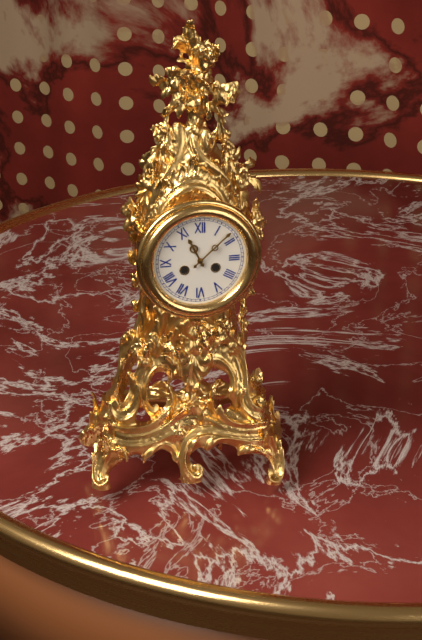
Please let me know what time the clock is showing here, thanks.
11:08
